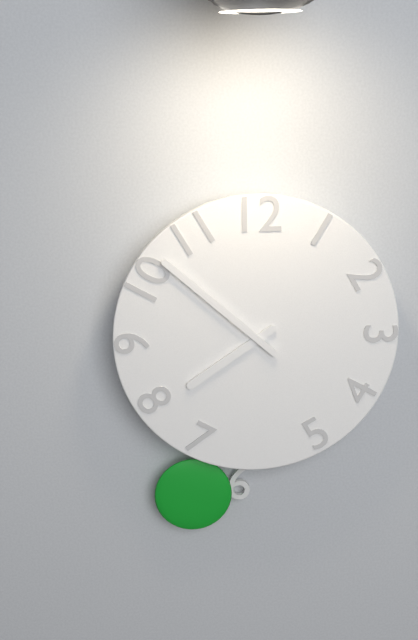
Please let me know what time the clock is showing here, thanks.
7:52
